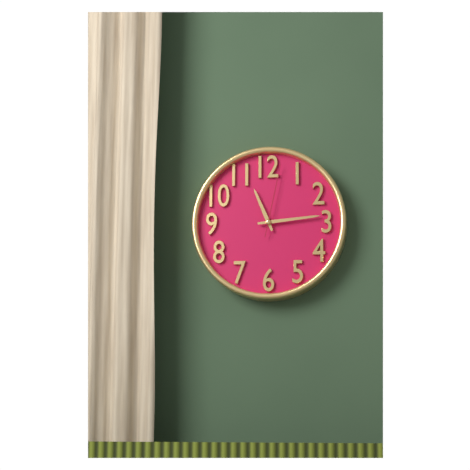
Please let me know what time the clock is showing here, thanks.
11:14:02
